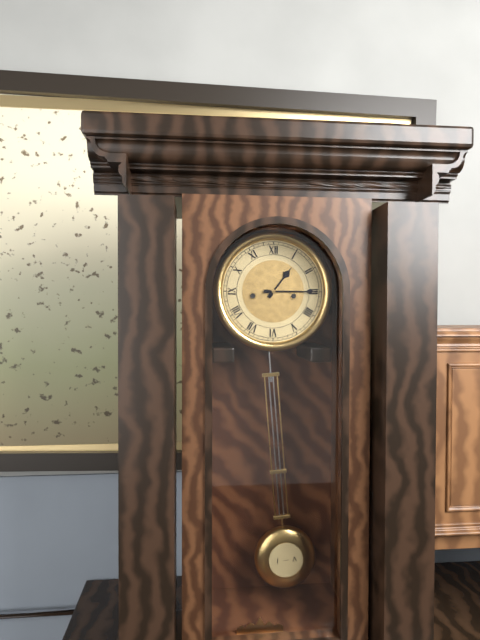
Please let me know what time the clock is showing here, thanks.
1:15
